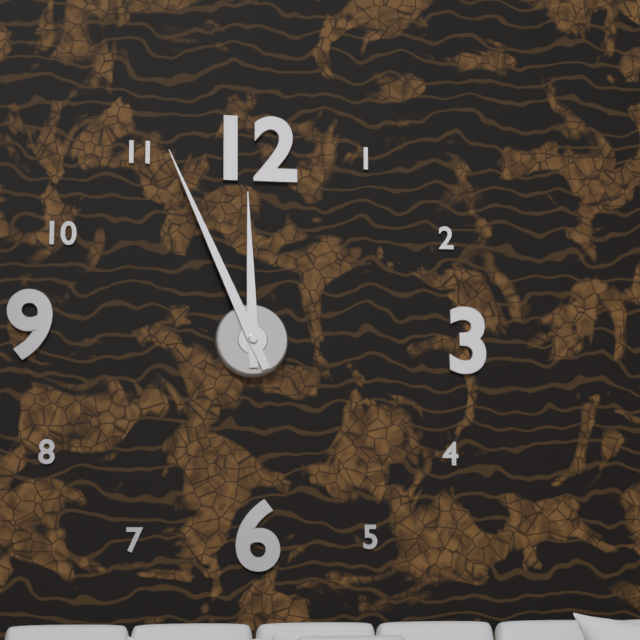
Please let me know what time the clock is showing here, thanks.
11:56
